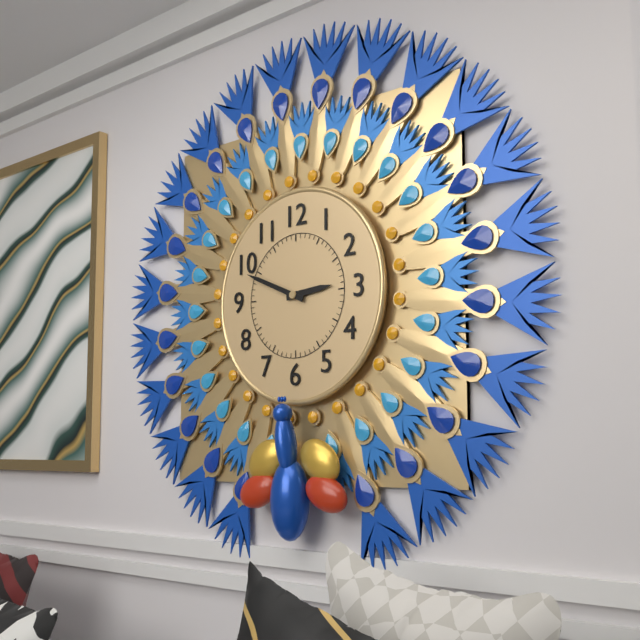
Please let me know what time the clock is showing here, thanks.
2:49
